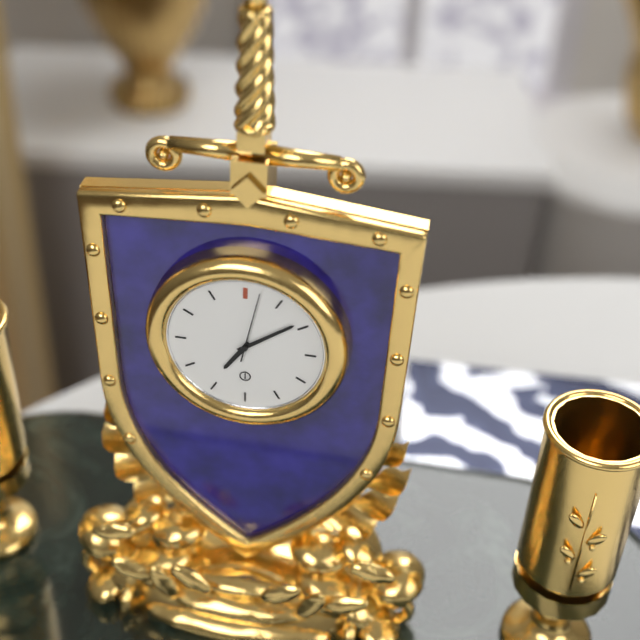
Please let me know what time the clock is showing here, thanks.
7:09:02
